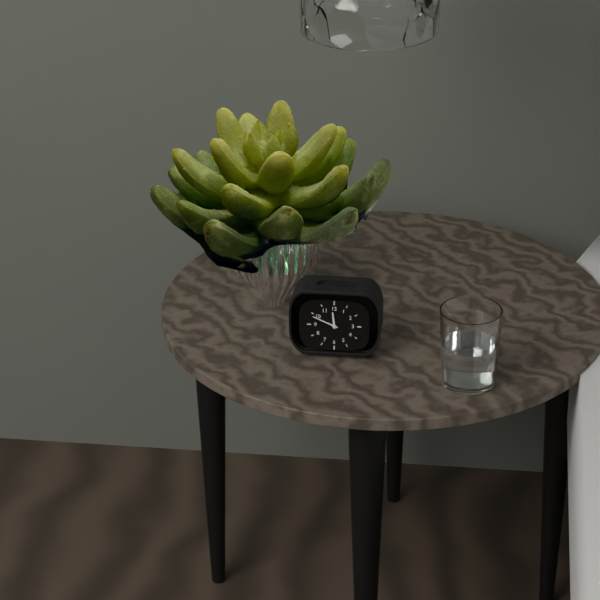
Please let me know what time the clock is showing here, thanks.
11:49
